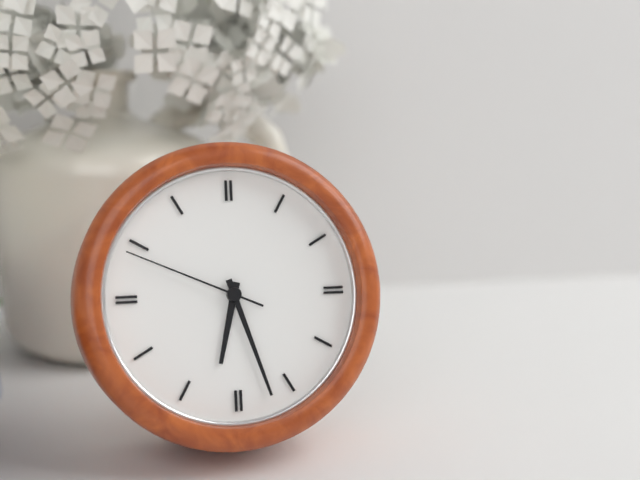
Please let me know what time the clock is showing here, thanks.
6:27:49
